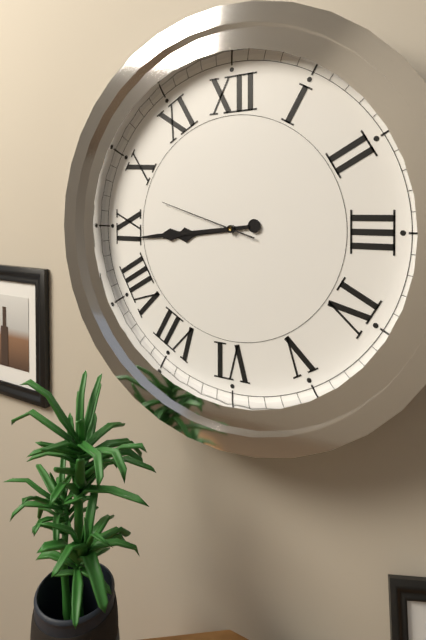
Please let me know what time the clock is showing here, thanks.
8:44:48
